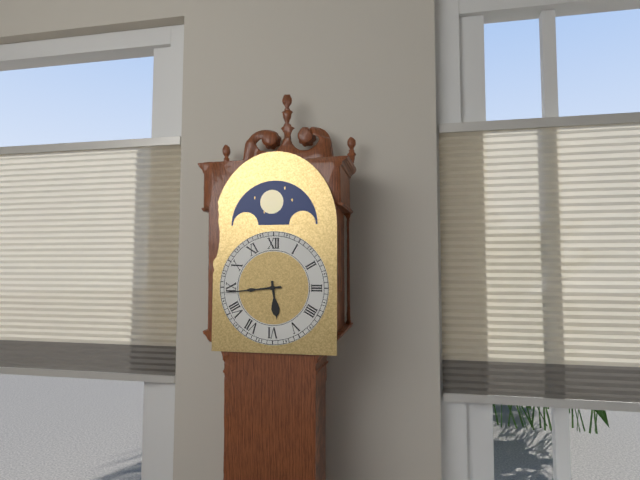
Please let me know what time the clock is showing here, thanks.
5:44
